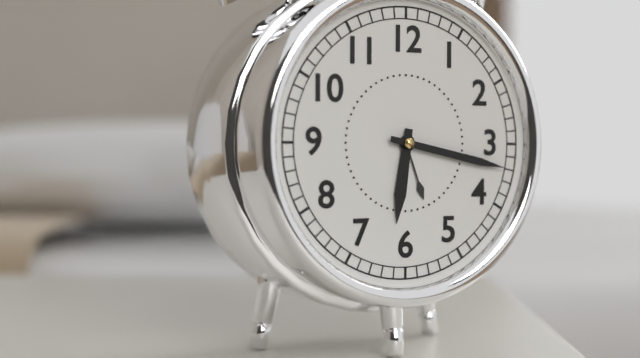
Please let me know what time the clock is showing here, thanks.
6:17
